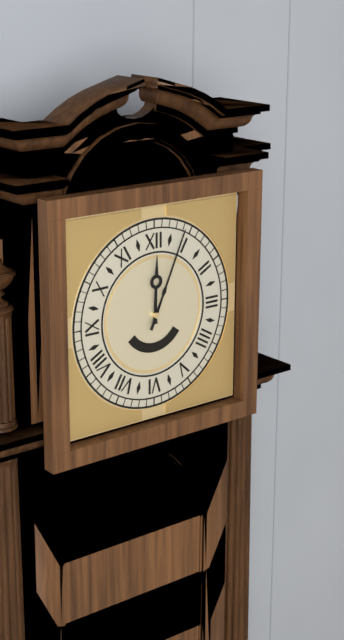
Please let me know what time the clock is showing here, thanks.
12:04
